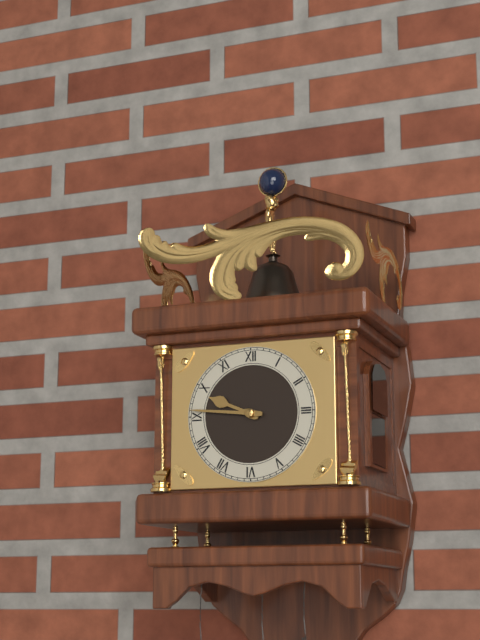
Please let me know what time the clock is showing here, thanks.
9:46
